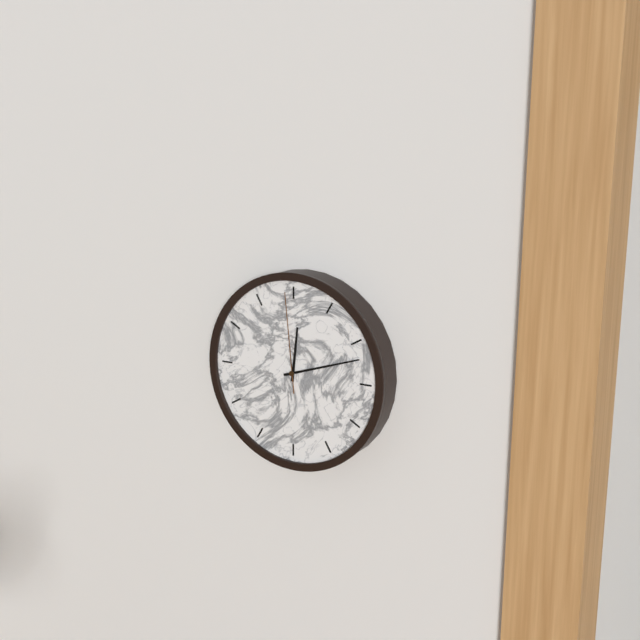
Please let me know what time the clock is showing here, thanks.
12:12:59
